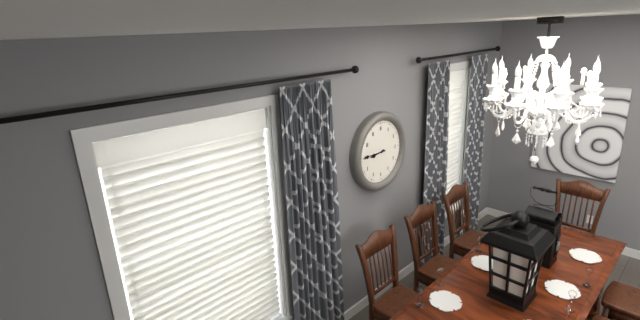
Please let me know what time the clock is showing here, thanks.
8:45
